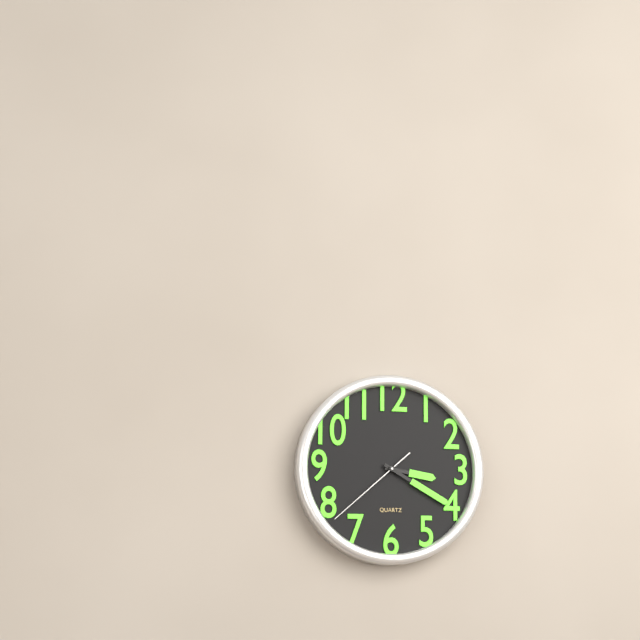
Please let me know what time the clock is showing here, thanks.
3:20:38
